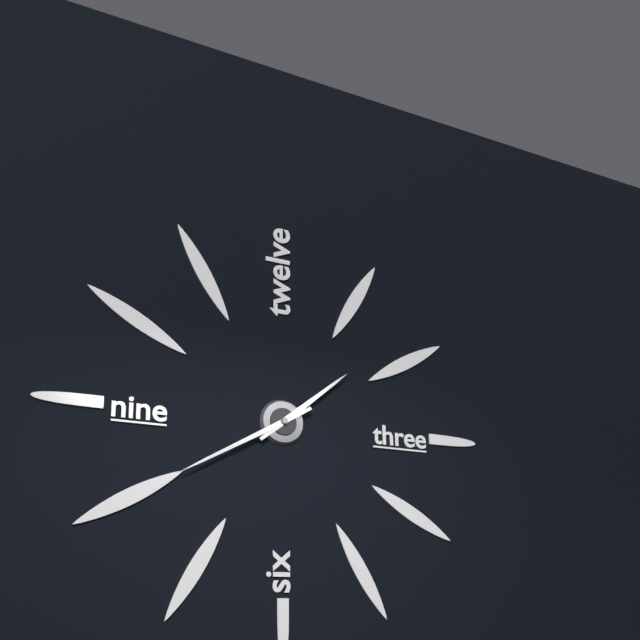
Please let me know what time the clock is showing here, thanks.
1:40
